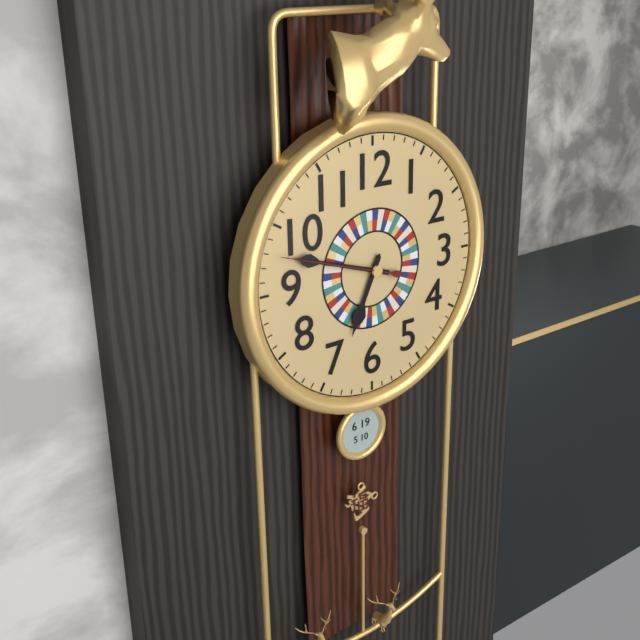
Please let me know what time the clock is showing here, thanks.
6:48:48
